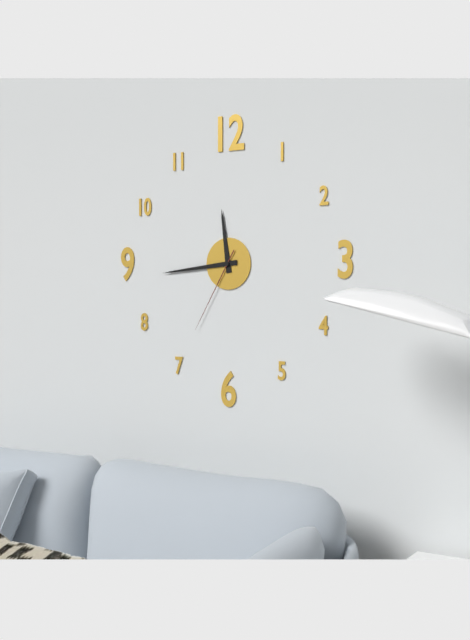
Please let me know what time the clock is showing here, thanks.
11:44:35
